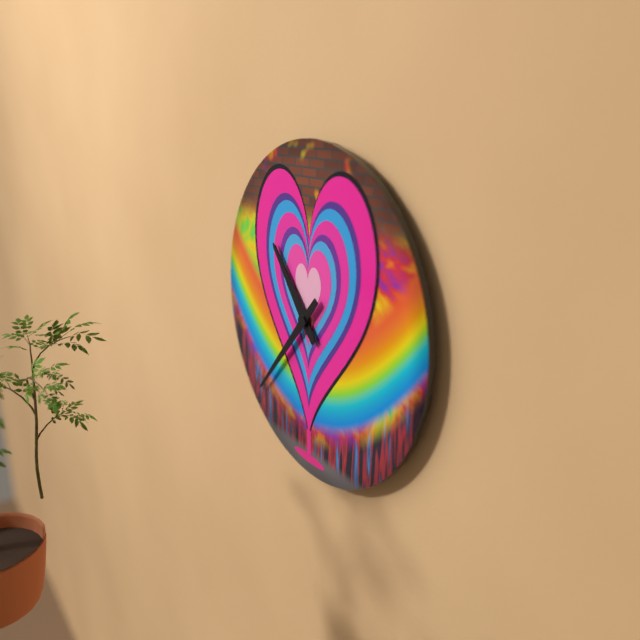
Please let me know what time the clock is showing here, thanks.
10:37
